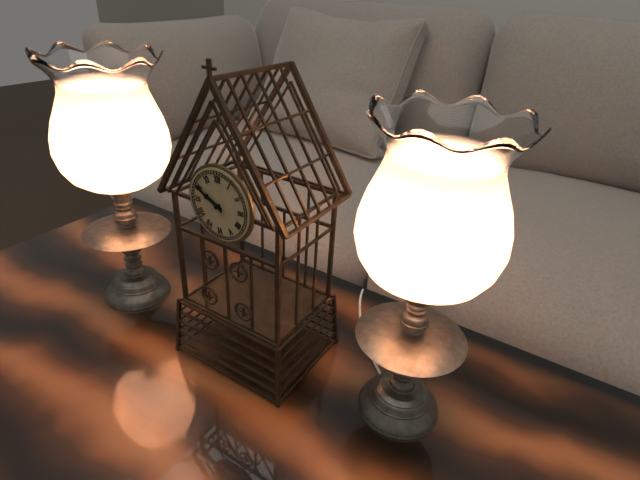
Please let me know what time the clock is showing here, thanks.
9:50
